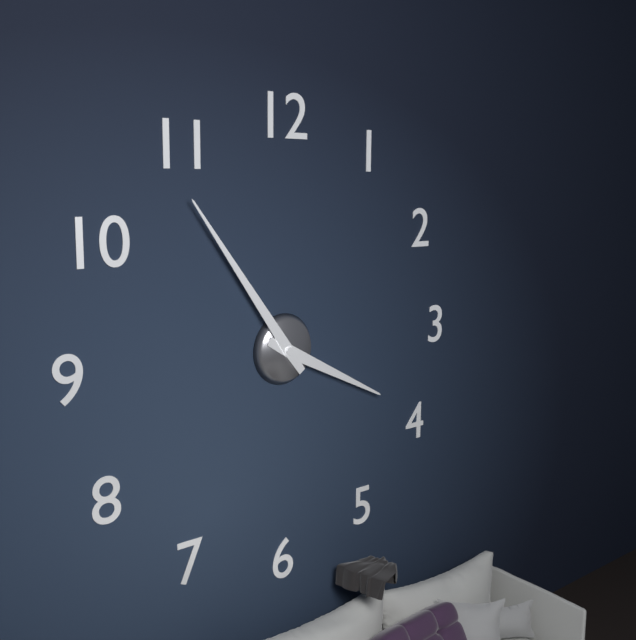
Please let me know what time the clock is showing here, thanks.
3:54
